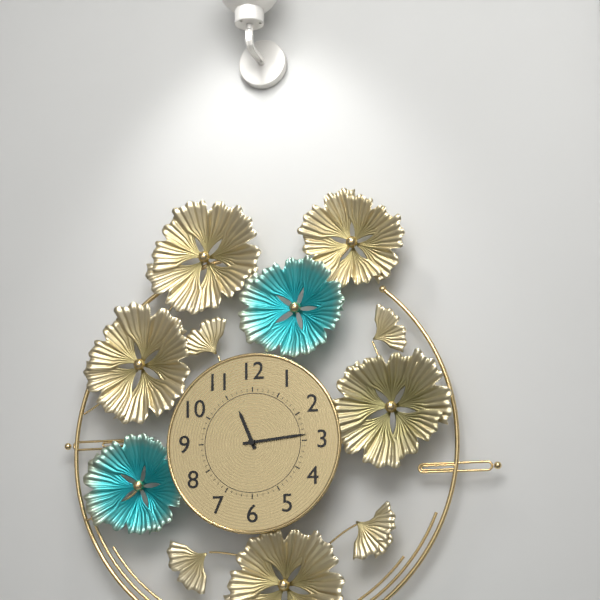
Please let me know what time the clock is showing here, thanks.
11:14
